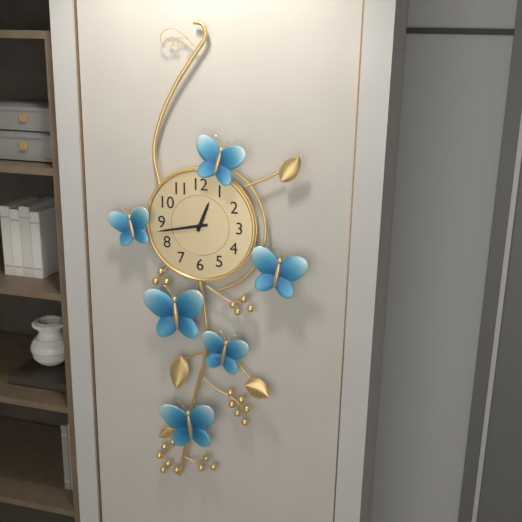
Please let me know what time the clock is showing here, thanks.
12:43
